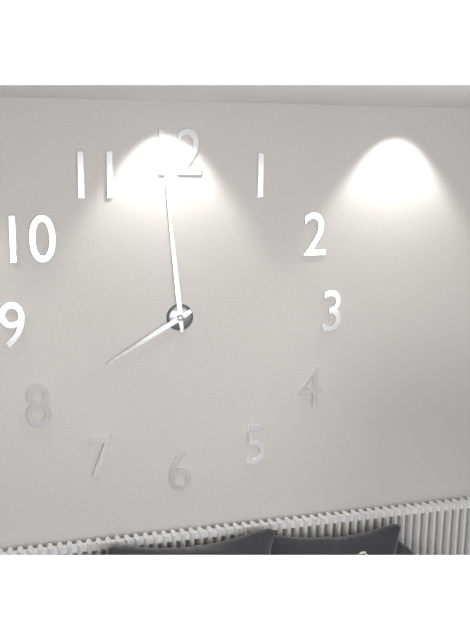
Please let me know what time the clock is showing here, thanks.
7:59
